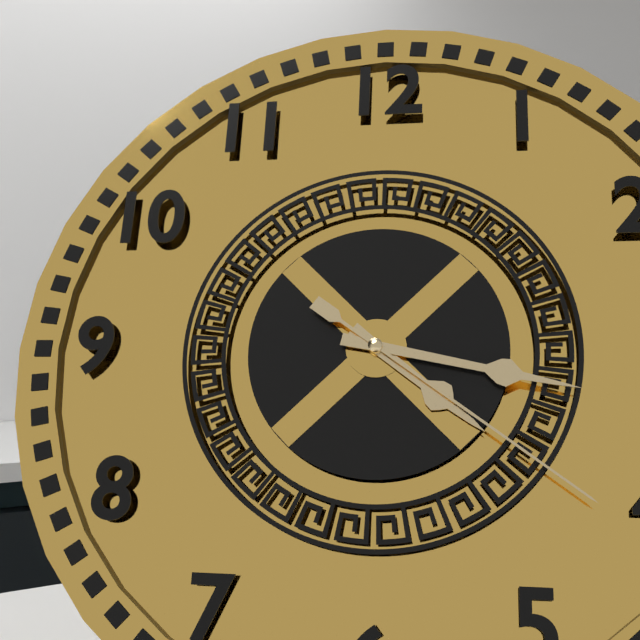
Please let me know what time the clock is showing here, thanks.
4:17:21
